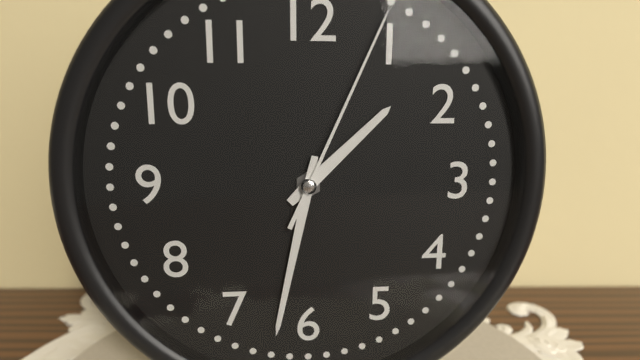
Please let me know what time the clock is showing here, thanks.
1:32:04
